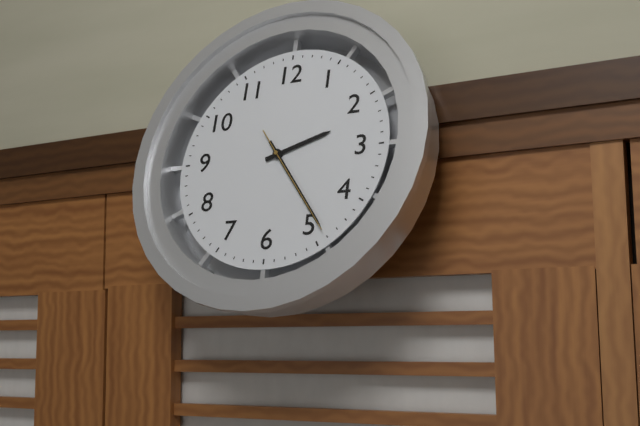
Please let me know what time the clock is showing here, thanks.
2:24:24
